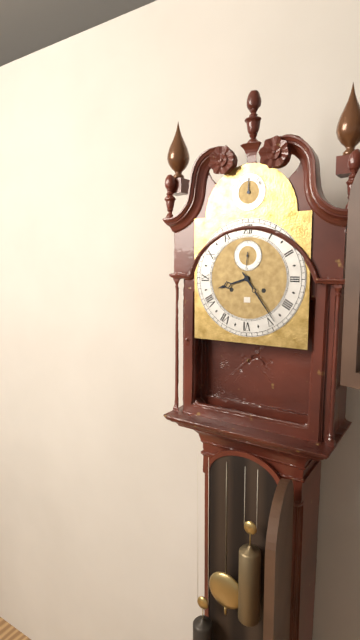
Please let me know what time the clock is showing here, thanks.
8:24
